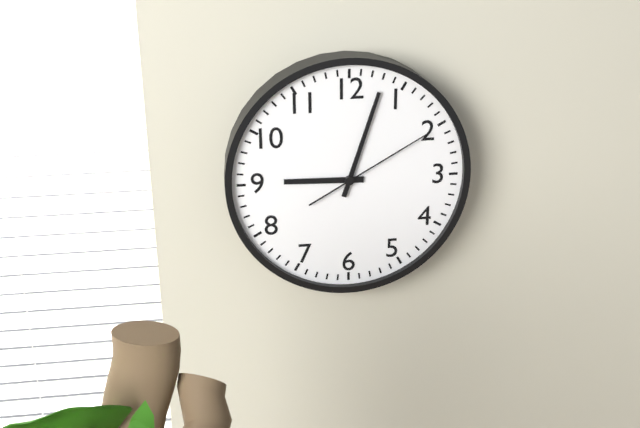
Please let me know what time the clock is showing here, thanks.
9:03:10
